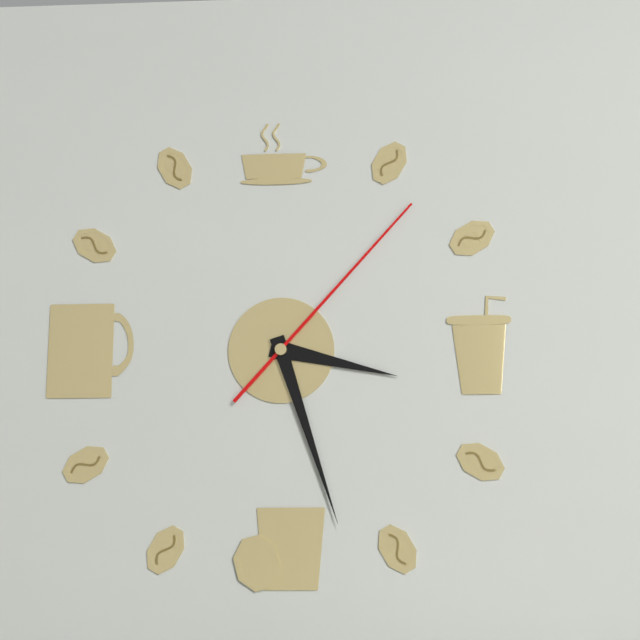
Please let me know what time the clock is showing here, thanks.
3:27:07
